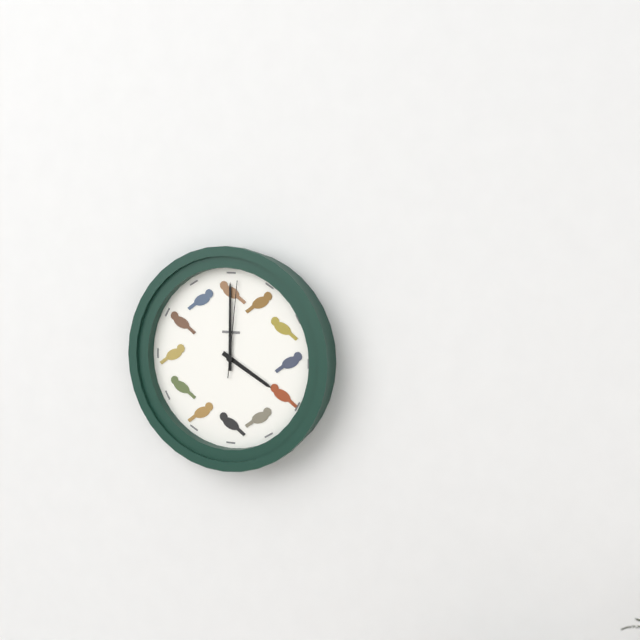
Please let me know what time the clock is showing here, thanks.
4:00:01
